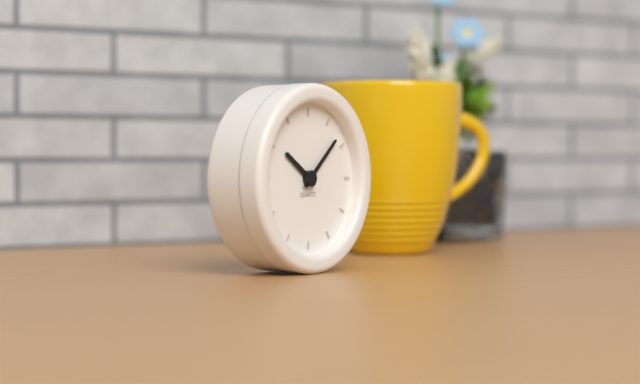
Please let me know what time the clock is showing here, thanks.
10:08
